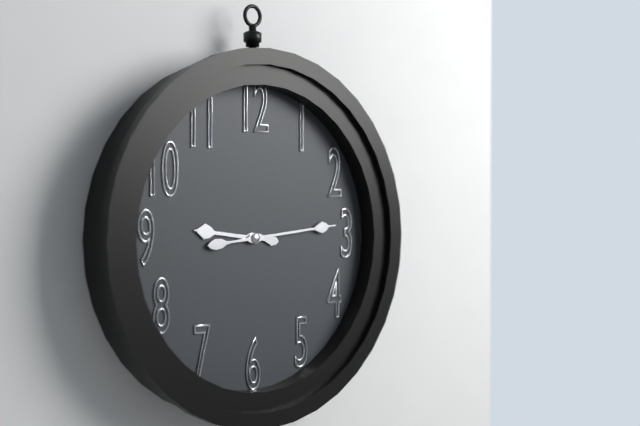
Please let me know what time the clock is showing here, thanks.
9:14
